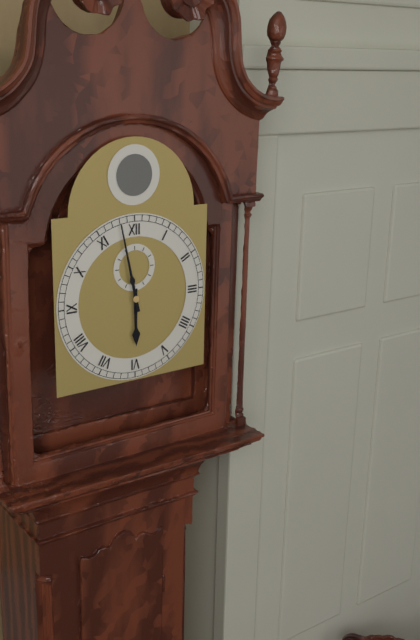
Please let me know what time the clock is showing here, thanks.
5:58
